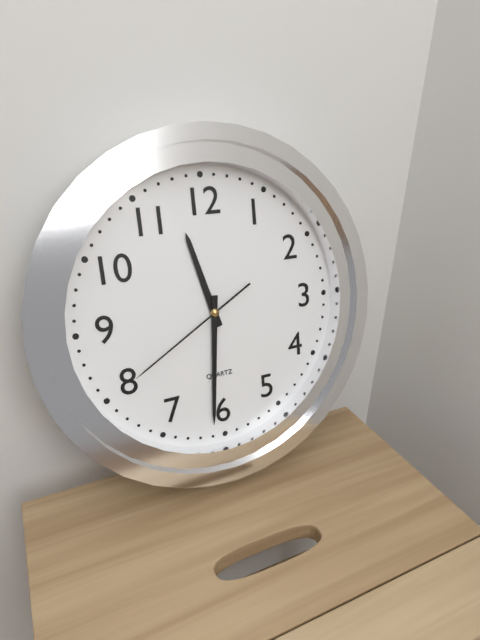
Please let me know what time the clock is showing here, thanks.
11:31:40
